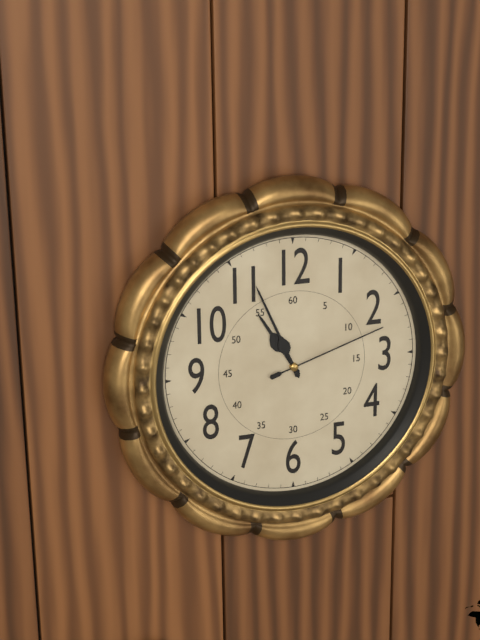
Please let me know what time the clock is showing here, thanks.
10:56:12
